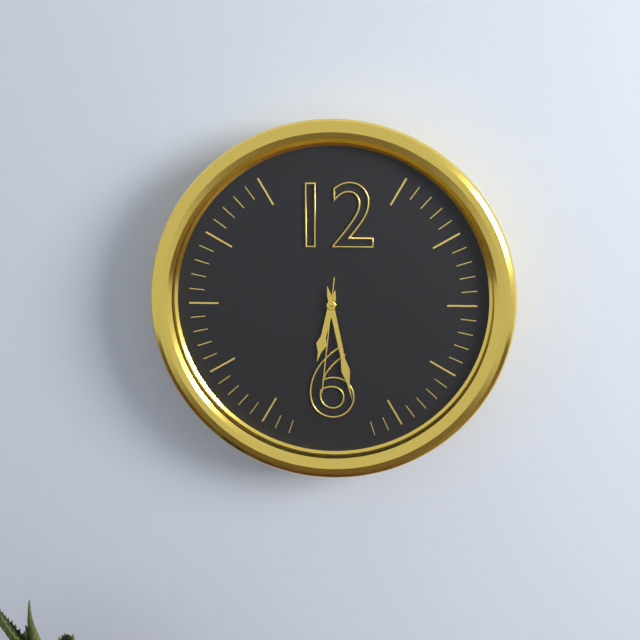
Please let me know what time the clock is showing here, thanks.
6:28:31
